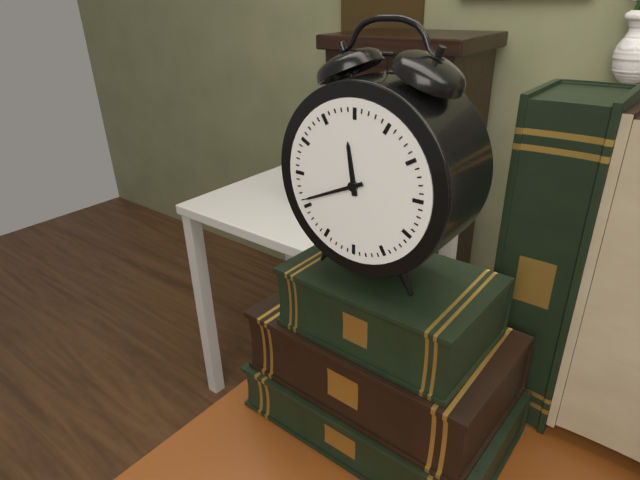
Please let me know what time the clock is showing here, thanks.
11:41
